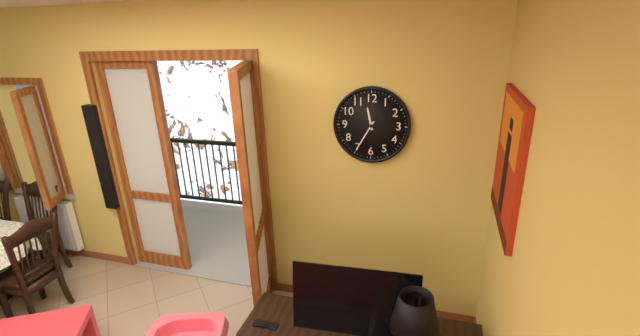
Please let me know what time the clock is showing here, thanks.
11:35
